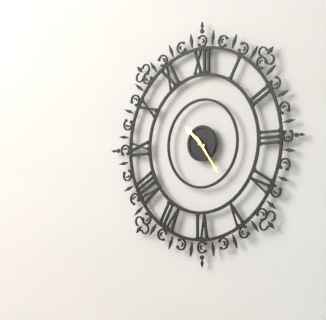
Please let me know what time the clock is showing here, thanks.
10:24
